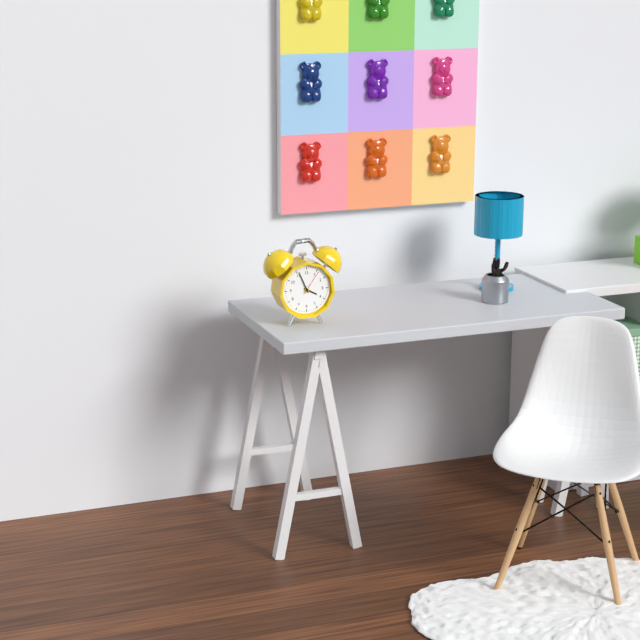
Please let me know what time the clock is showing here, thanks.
3:56
